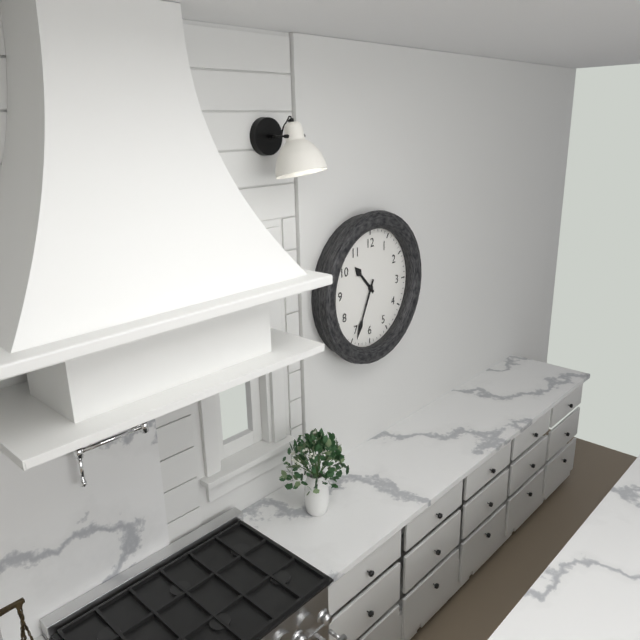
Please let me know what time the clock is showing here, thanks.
10:34
